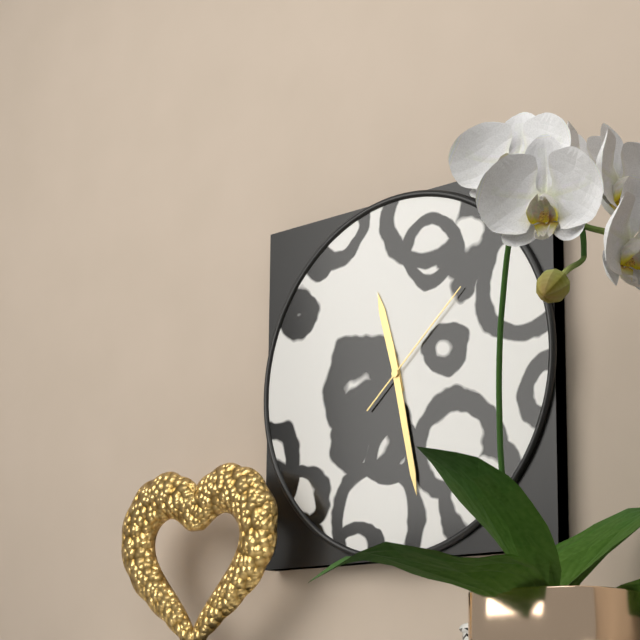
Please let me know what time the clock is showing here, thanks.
11:28:08
